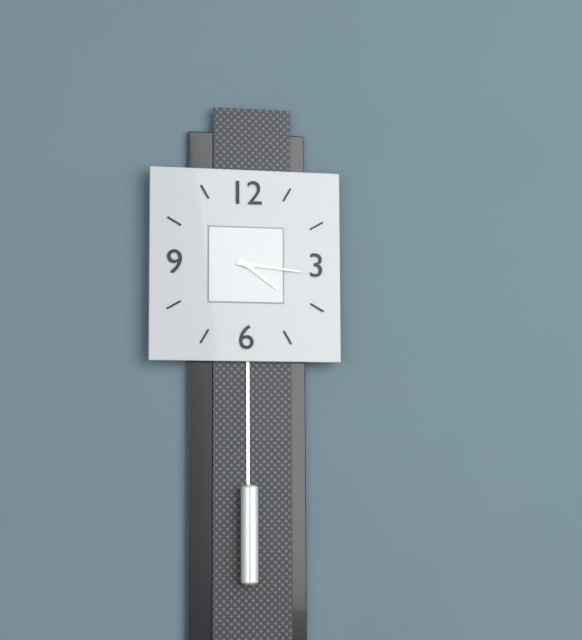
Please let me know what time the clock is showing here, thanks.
4:16
